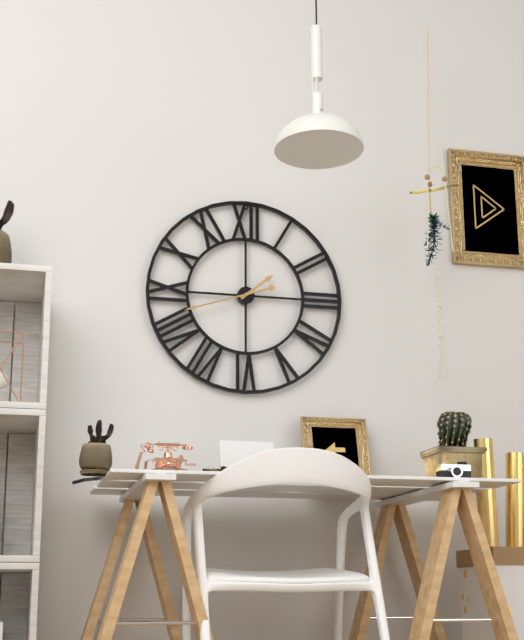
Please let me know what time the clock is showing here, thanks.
1:42
